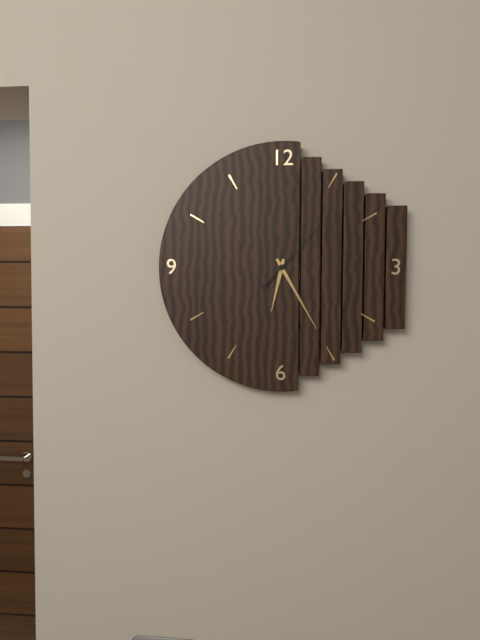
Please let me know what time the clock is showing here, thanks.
6:25:07
